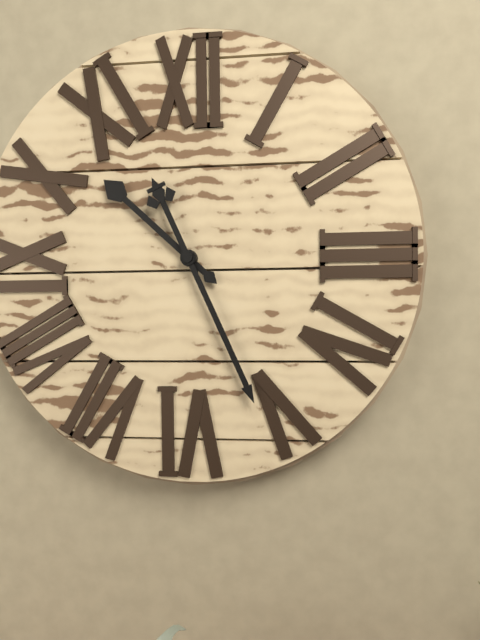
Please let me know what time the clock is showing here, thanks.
10:26
